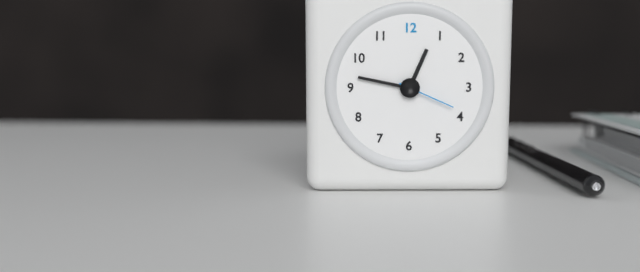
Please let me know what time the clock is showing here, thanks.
12:47:19
